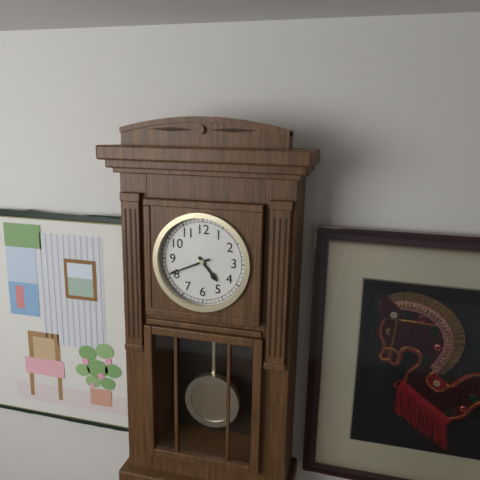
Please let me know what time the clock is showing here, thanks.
4:41
